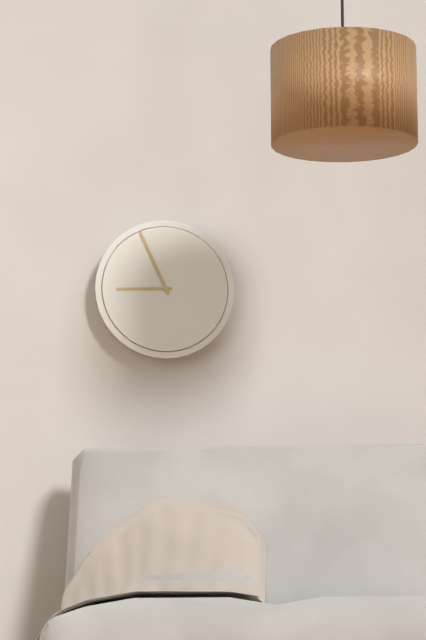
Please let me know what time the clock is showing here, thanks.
8:56
